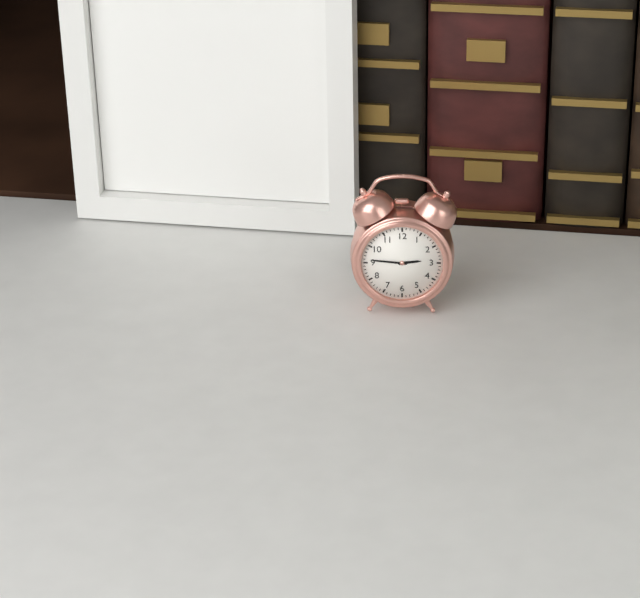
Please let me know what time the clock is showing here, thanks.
2:46
